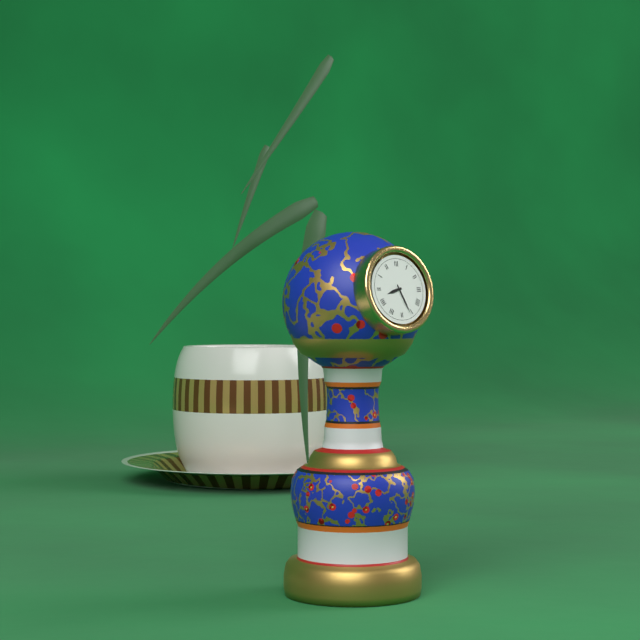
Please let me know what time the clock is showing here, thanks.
8:26
